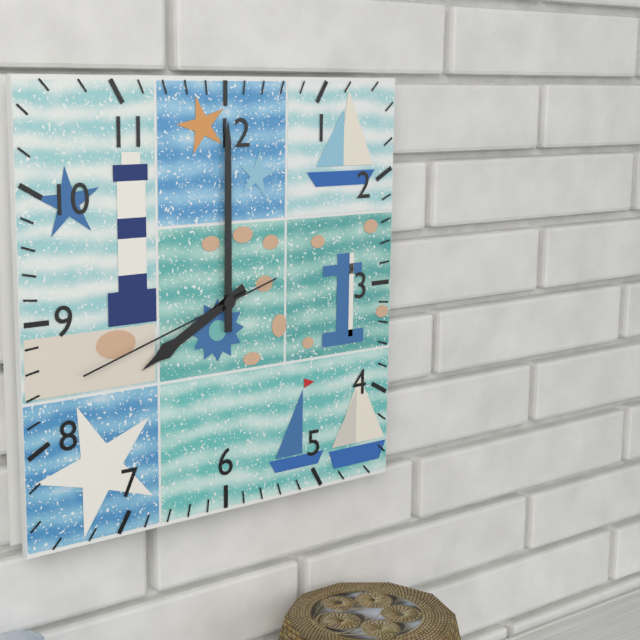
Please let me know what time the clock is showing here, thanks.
8:00:42
